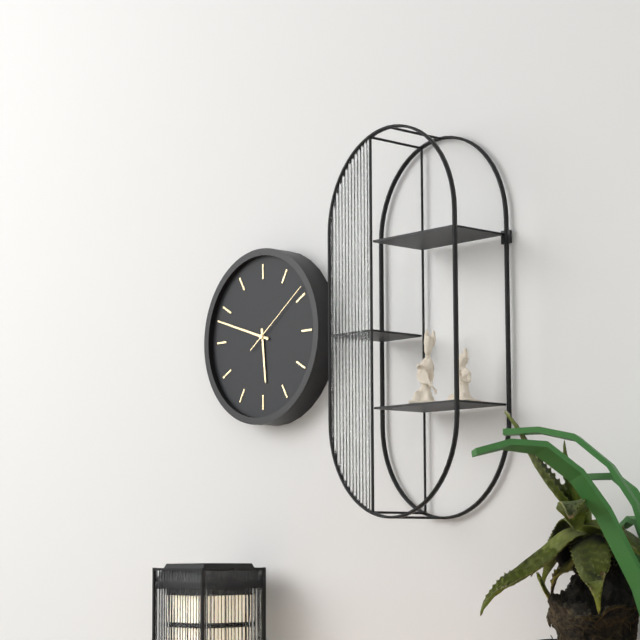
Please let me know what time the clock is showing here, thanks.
5:48:09
